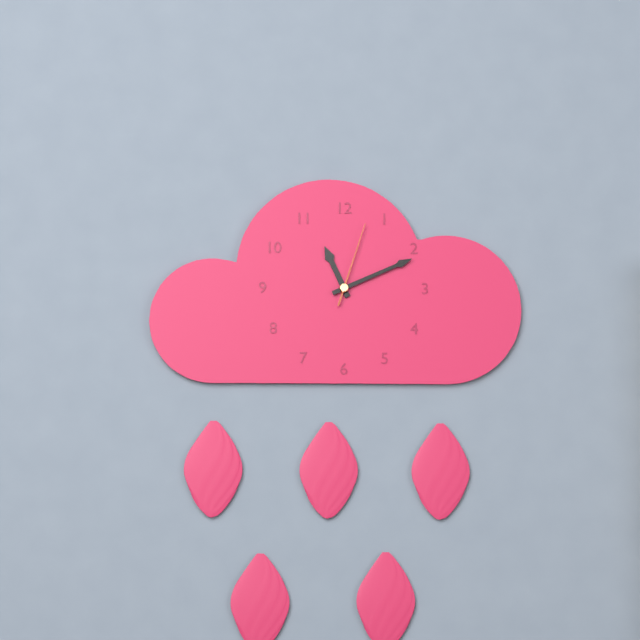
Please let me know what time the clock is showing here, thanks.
11:11:03
